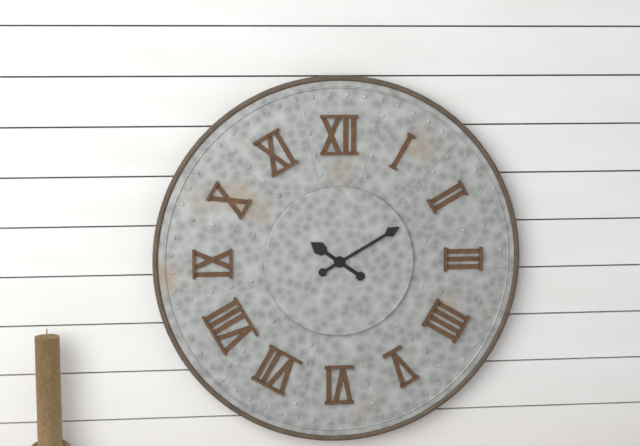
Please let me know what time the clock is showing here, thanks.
10:10
